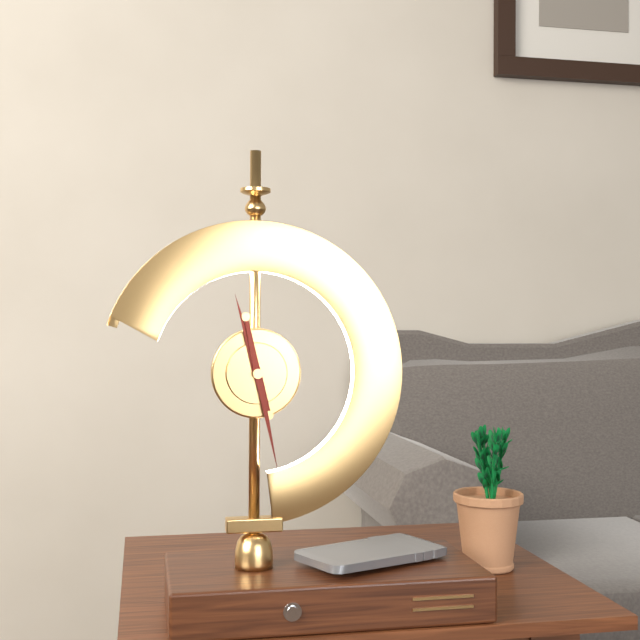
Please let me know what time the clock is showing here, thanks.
11:28
